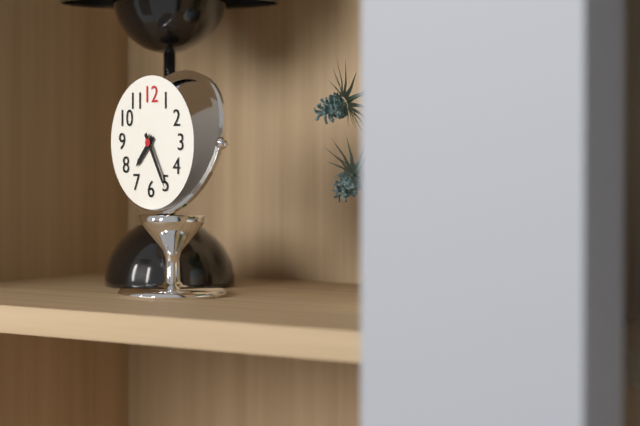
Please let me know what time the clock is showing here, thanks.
7:25
